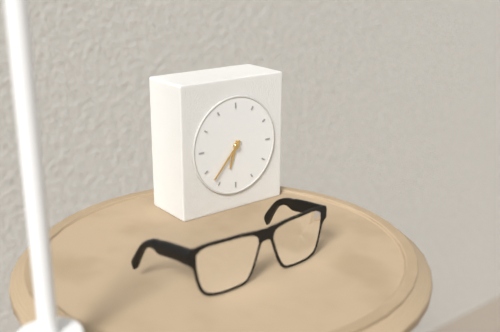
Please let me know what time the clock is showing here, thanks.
6:37
